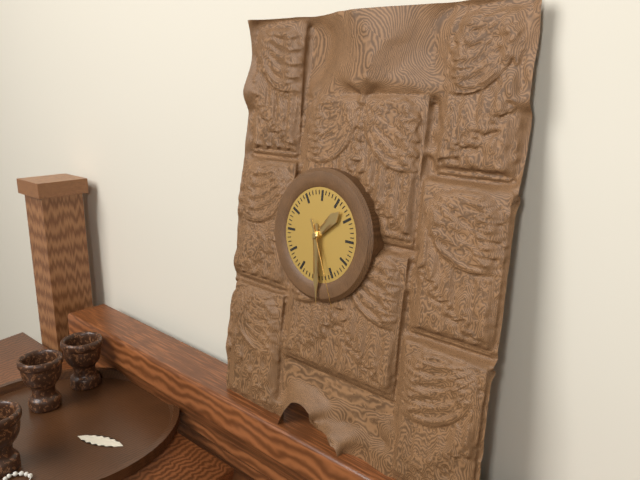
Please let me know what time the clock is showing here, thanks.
1:29:26
